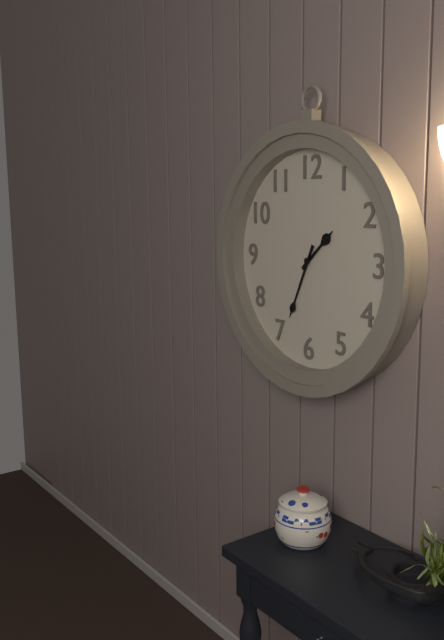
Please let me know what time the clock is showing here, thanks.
1:34
